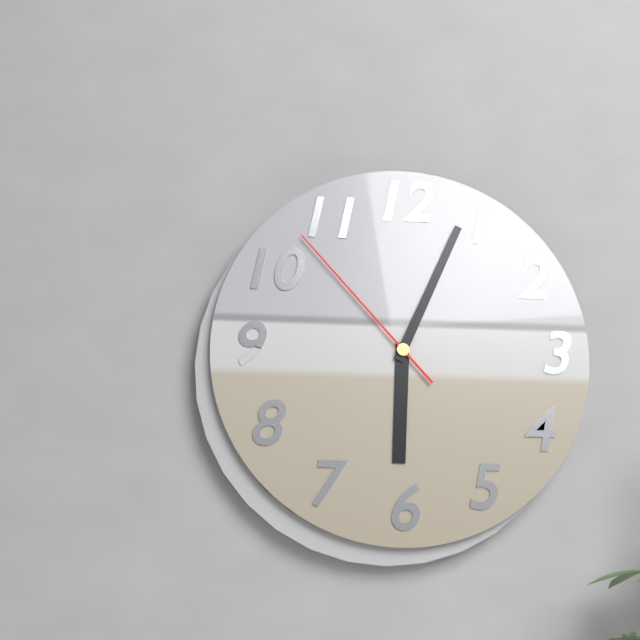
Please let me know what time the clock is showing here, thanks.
6:04:53
